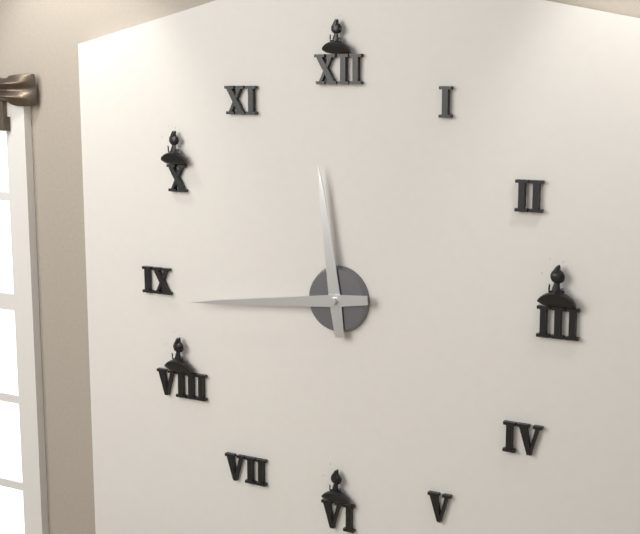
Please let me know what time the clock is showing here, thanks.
11:44
